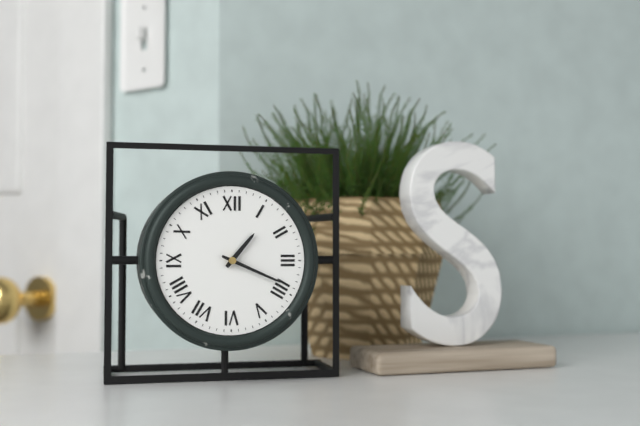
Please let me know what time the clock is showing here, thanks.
1:19
